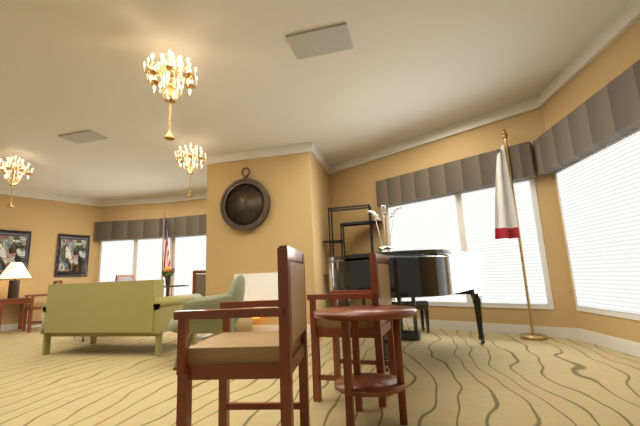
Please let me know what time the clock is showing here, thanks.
5:27
